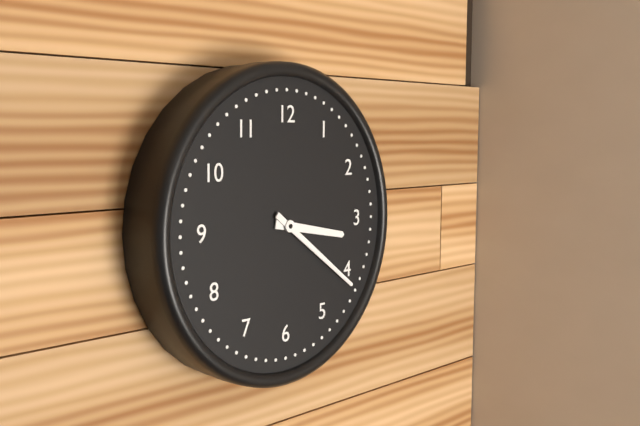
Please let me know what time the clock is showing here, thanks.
3:21
